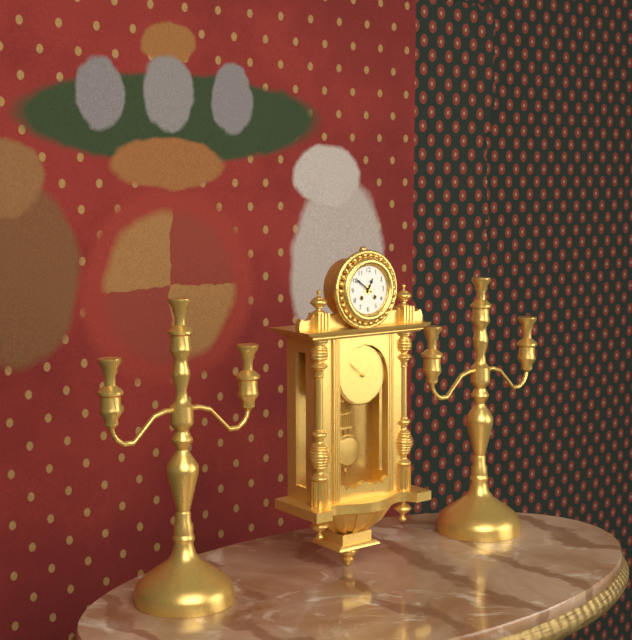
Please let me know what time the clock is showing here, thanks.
12:51
